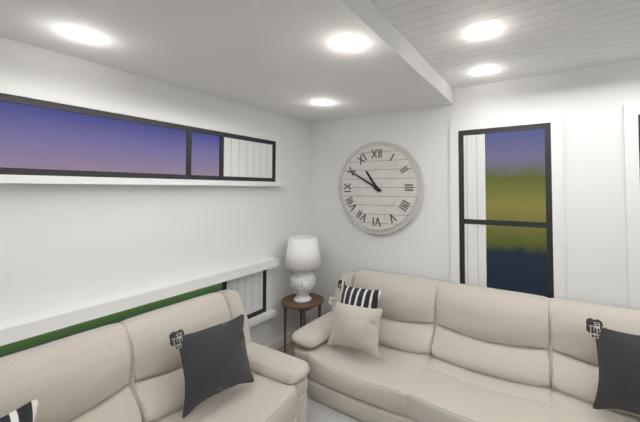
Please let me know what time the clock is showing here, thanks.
10:50
